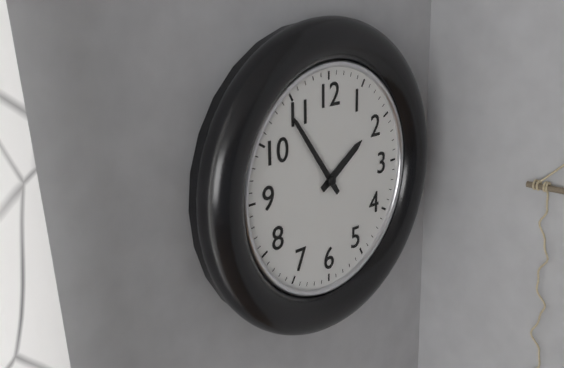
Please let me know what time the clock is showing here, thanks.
1:54
